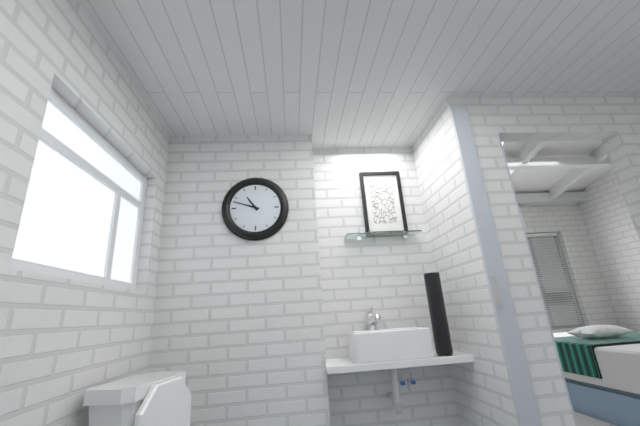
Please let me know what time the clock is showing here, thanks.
10:48
